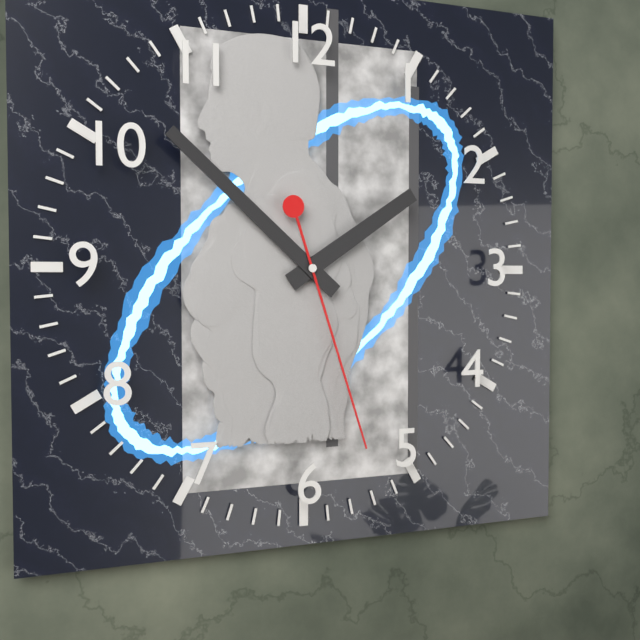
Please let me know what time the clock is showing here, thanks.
1:52:27
